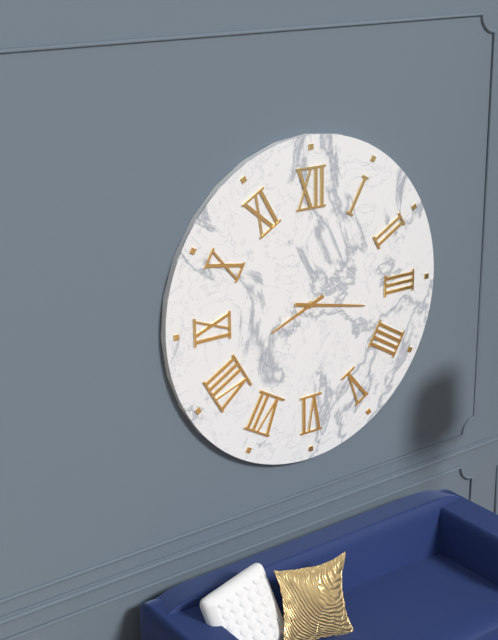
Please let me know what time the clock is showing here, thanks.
8:17
